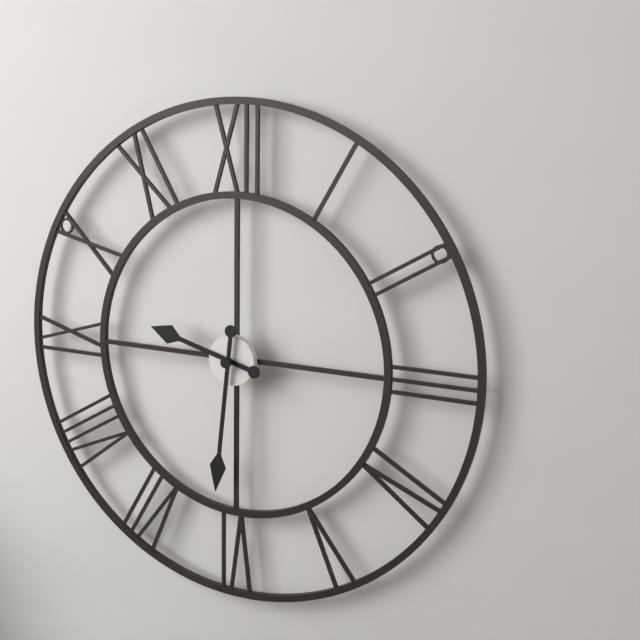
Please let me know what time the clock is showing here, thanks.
9:31
